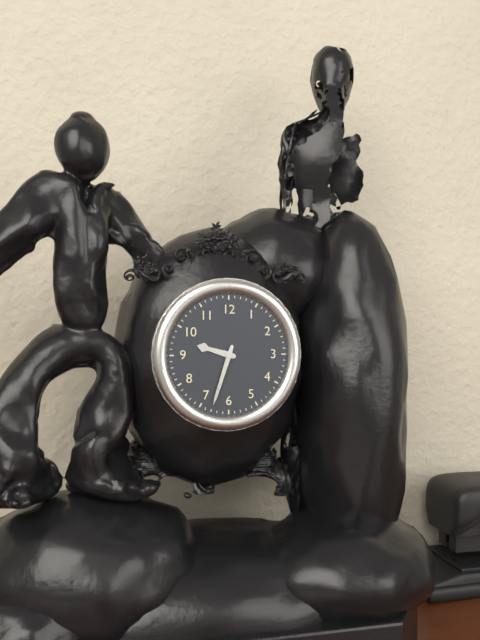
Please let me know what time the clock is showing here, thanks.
9:33
